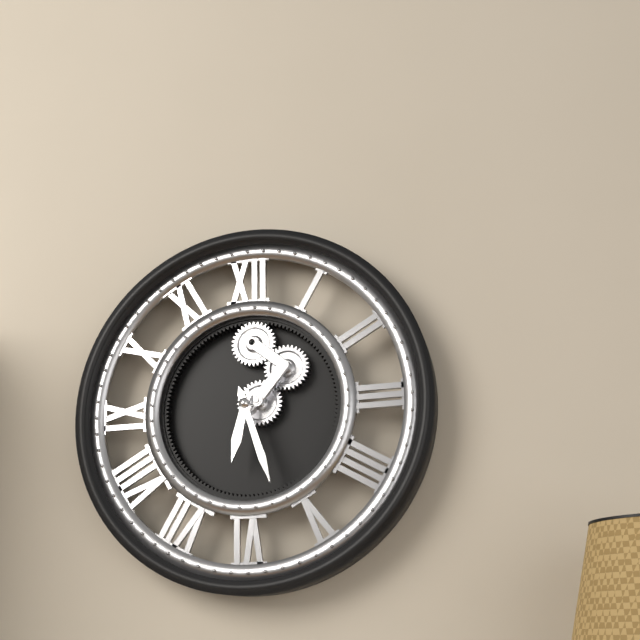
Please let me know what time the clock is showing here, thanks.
6:27
